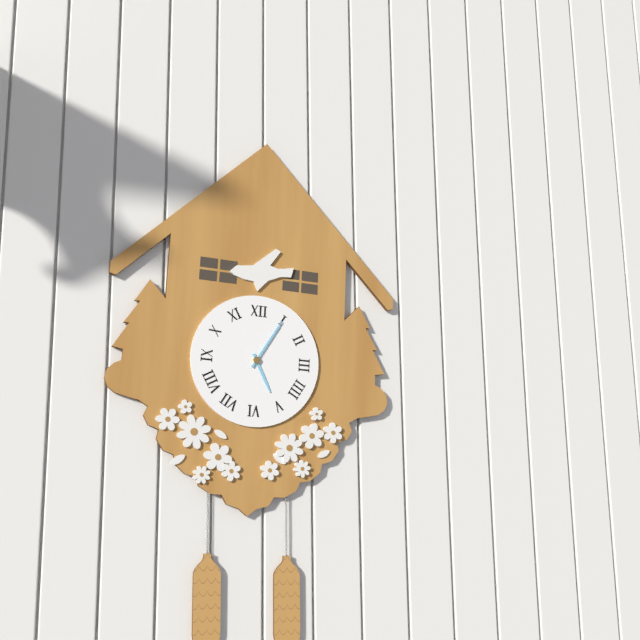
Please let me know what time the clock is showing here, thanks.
5:05
